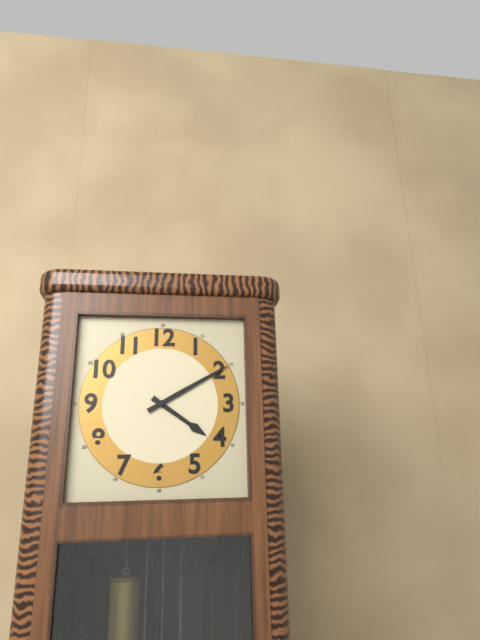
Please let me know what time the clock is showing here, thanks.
4:10
